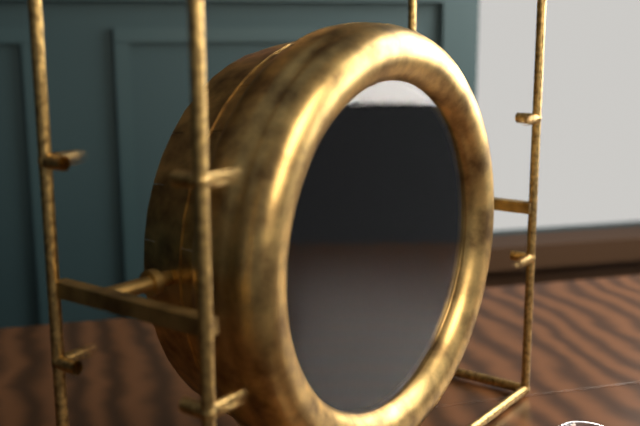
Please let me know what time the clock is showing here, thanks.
12:11
